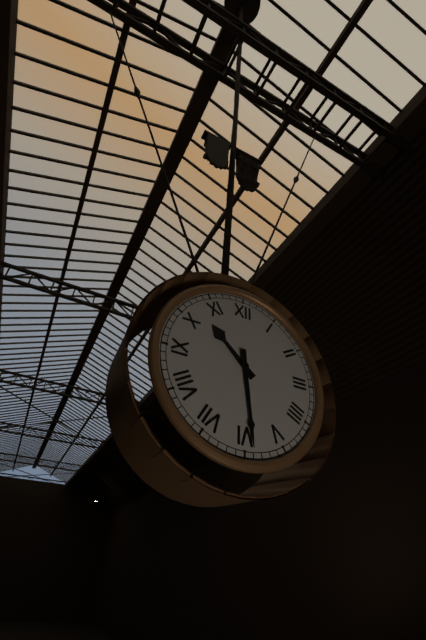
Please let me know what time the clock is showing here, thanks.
10:29
